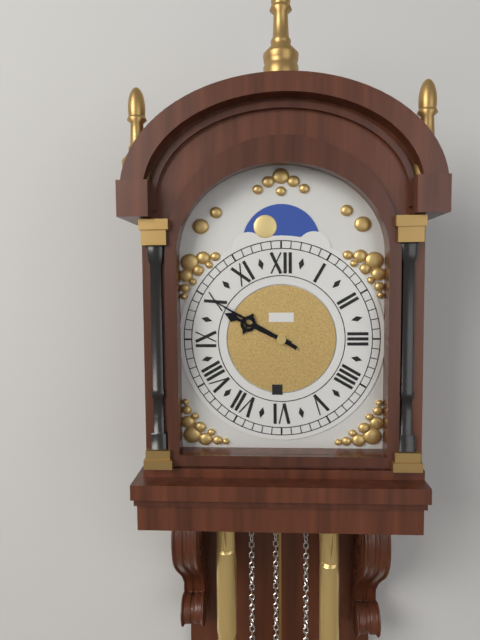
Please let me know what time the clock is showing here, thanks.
9:50
